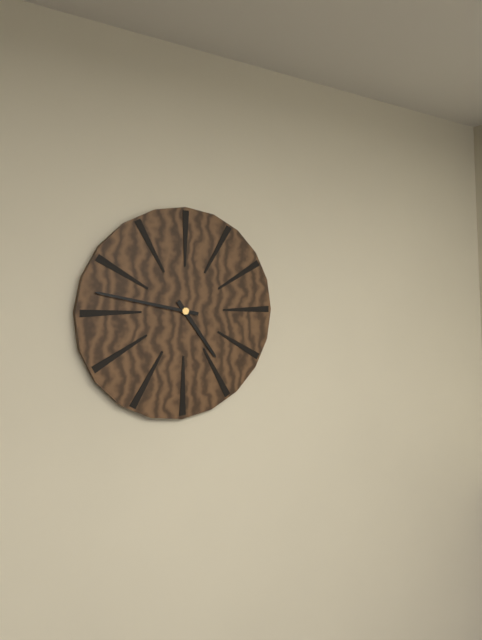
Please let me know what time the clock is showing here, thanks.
4:47
